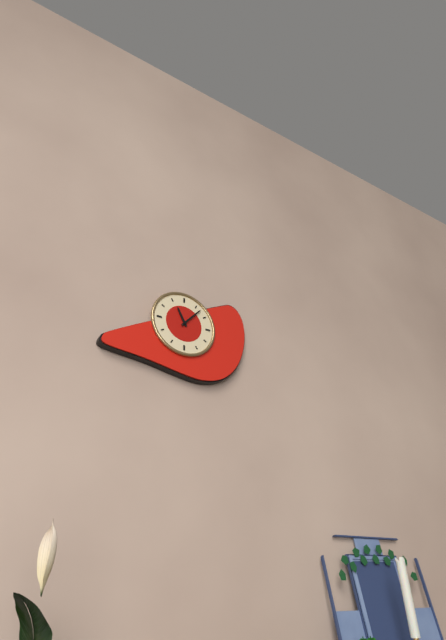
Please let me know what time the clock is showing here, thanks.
11:07
